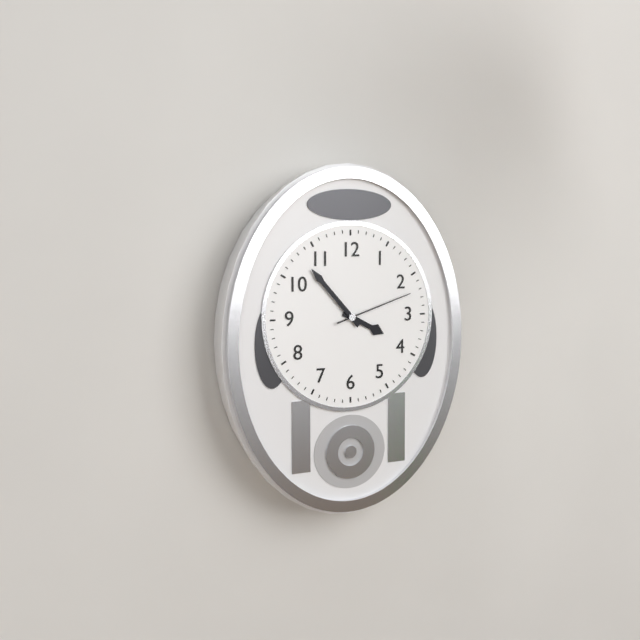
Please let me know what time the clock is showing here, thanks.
3:53:12
